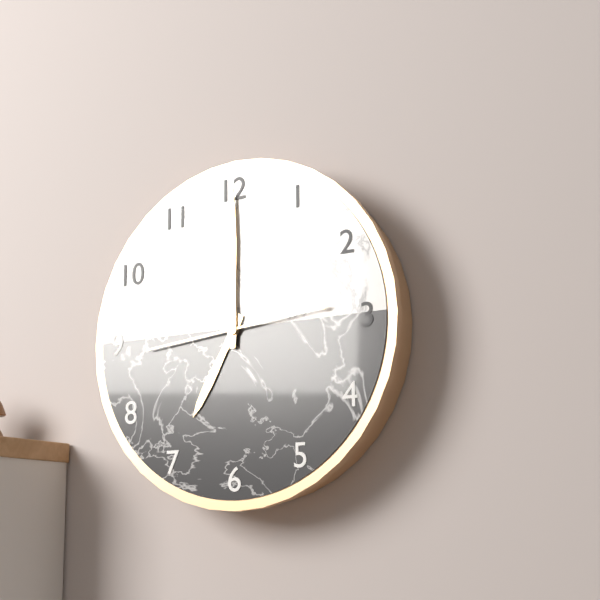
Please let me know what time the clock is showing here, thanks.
7:00:14
